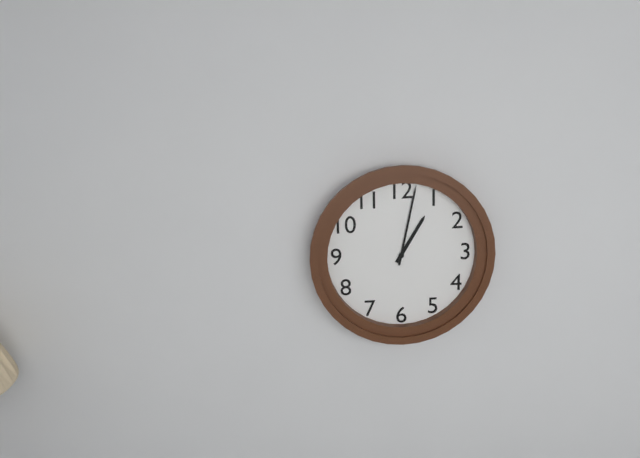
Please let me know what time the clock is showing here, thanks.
1:02
